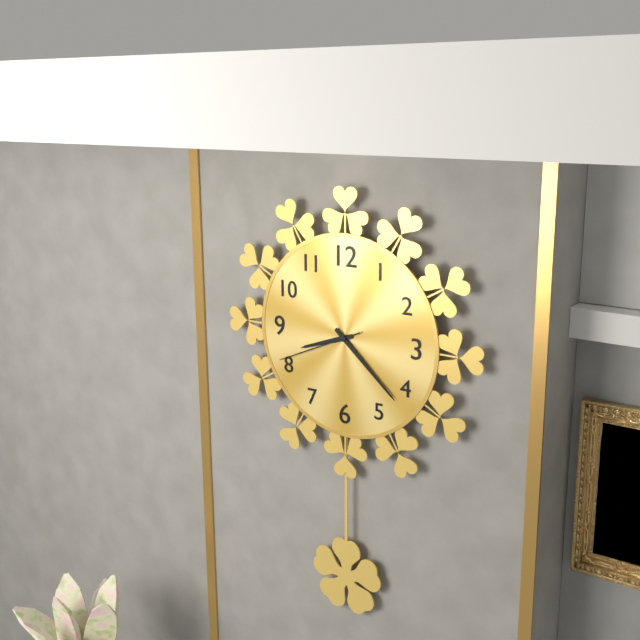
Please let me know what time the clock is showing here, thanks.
8:22:41
